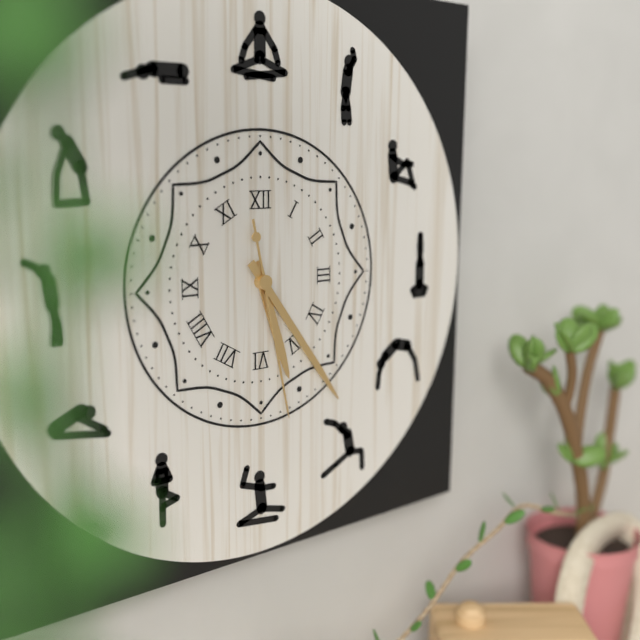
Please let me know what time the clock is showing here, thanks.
5:24:28
